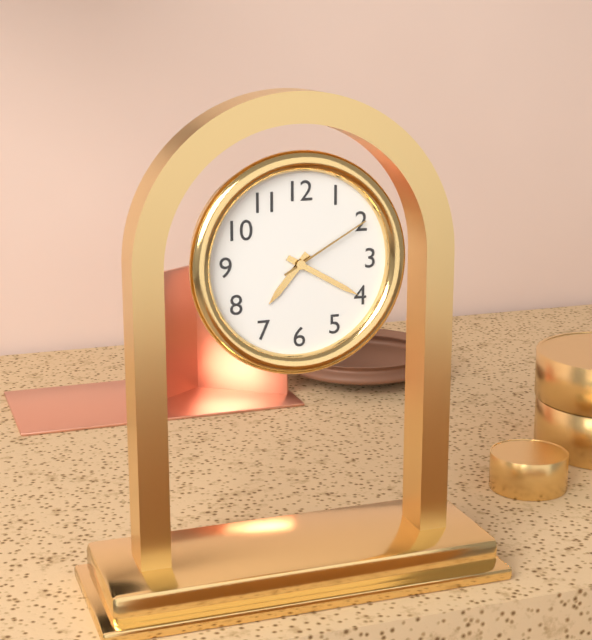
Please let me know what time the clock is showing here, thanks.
7:20:10
